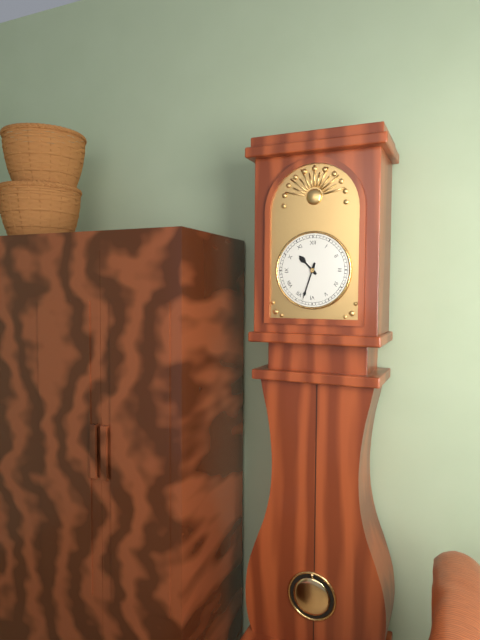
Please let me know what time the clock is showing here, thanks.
10:33
